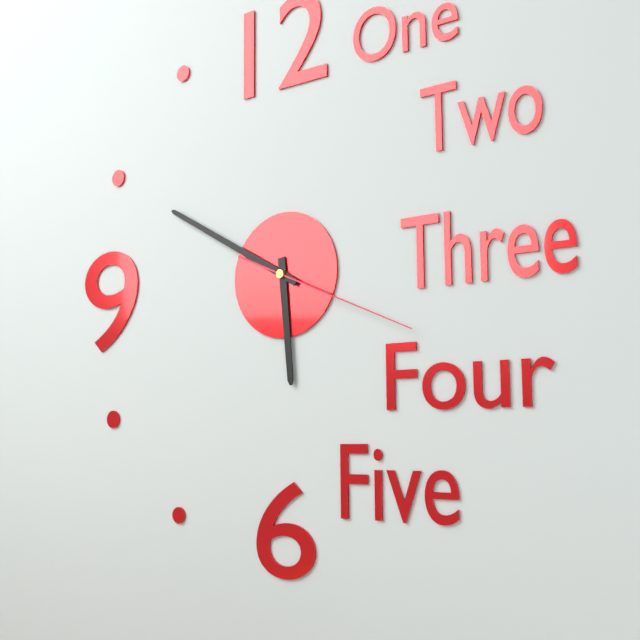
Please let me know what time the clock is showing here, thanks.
5:50:19
